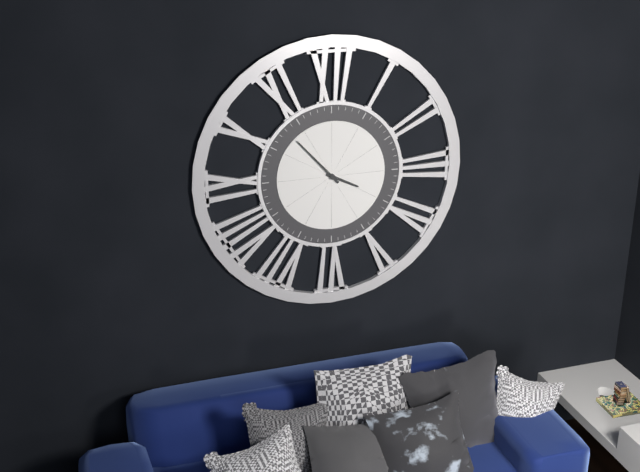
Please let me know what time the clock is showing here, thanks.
3:53
